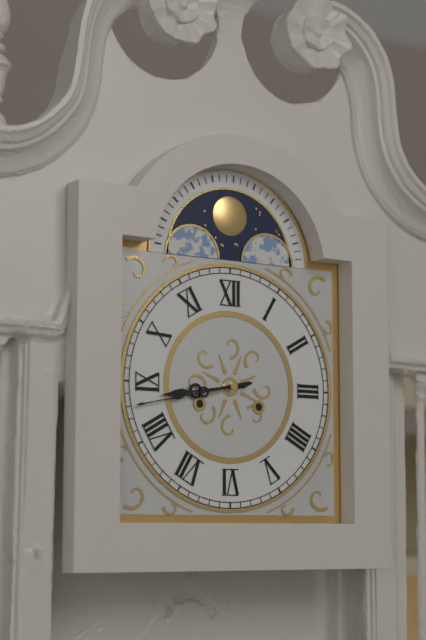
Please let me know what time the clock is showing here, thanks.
8:43
